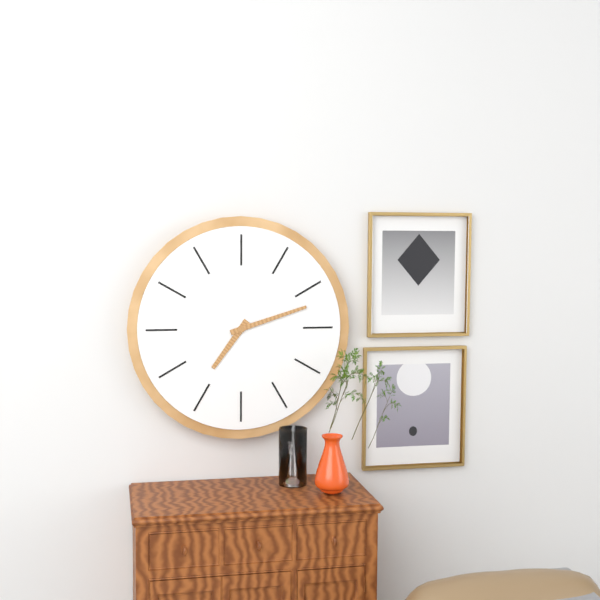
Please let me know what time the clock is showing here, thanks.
7:12
